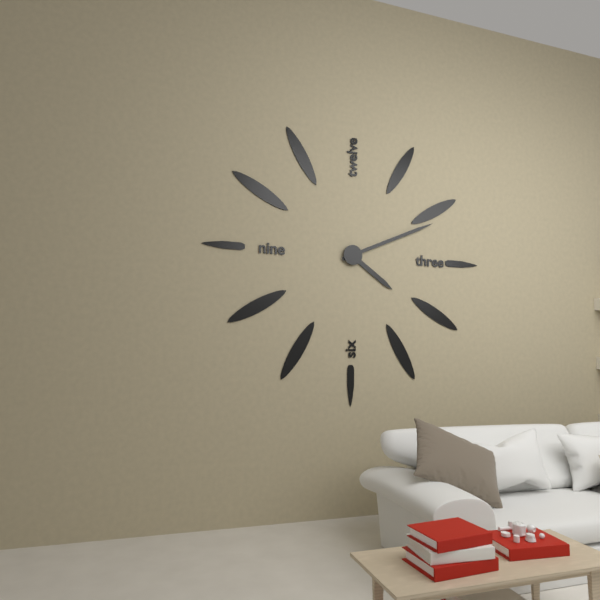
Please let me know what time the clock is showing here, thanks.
4:11
